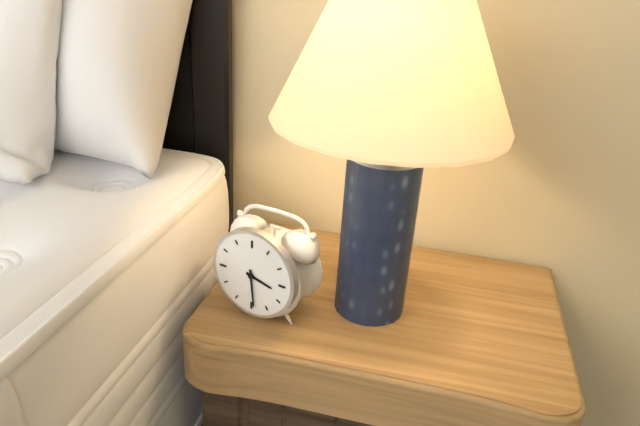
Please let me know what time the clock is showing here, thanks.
3:29
